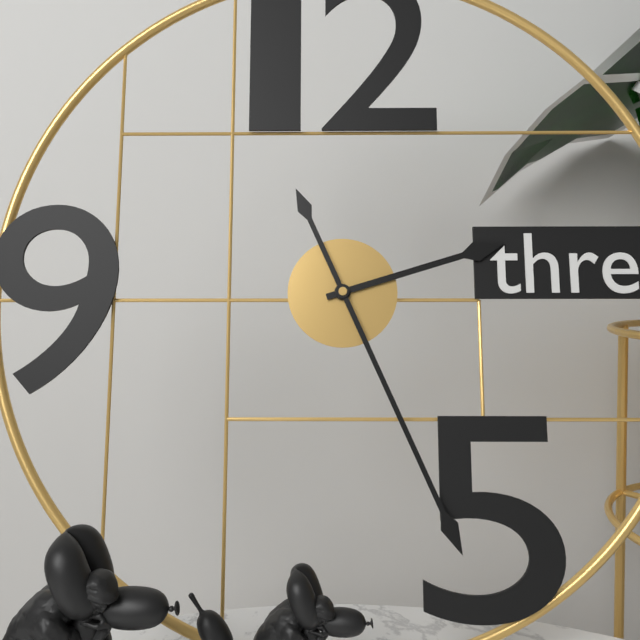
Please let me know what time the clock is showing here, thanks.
2:26
